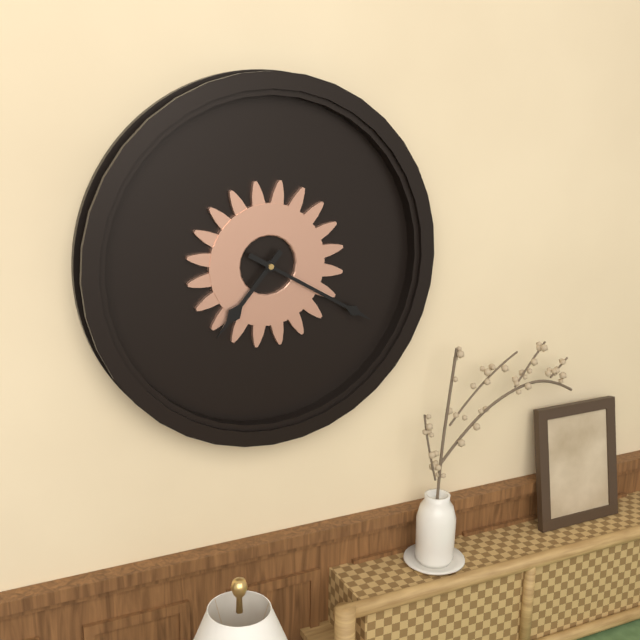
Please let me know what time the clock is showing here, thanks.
7:20
